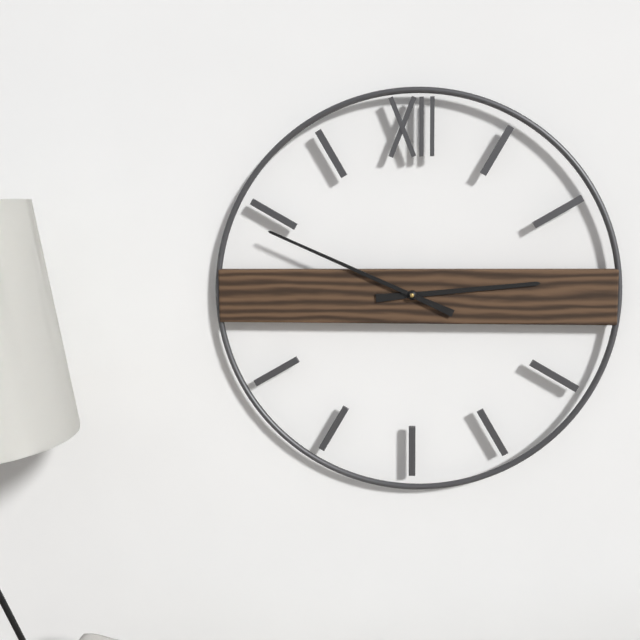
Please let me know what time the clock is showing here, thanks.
2:49
